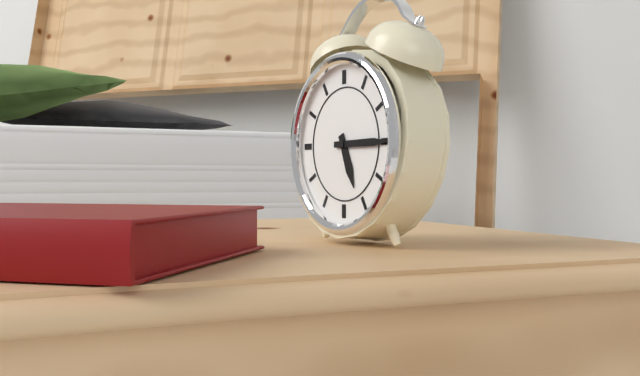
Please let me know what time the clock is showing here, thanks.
5:15
